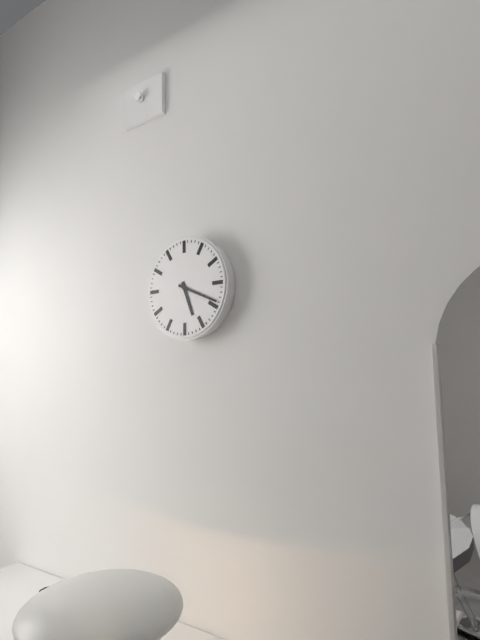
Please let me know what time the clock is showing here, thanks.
5:19
